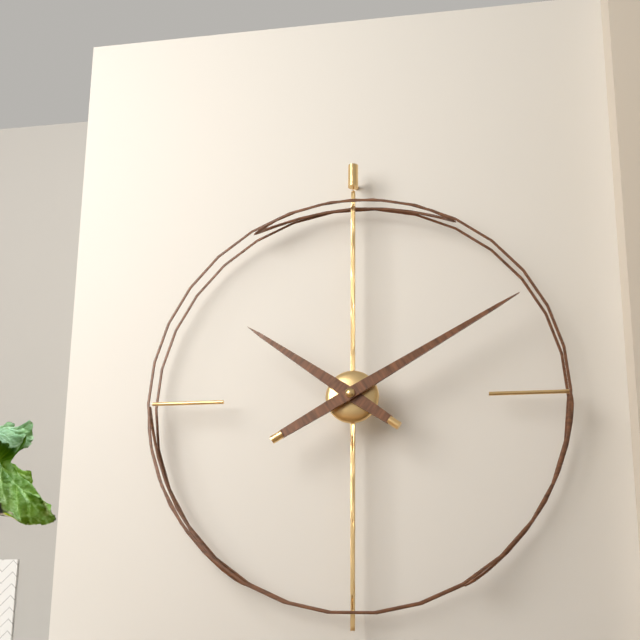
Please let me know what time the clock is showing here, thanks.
10:10
